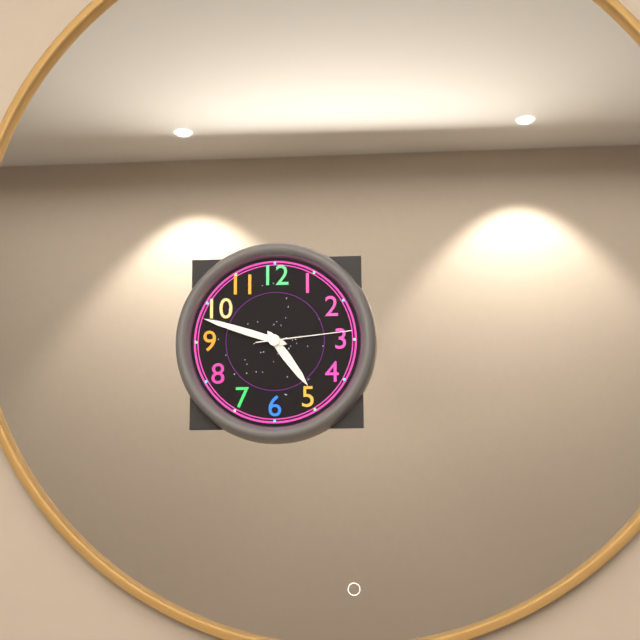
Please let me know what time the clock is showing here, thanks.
4:48:14
